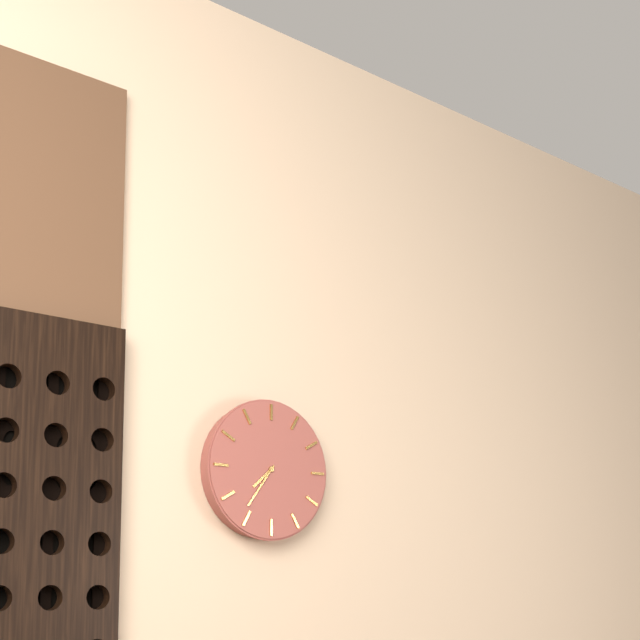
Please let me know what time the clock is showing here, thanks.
7:36
